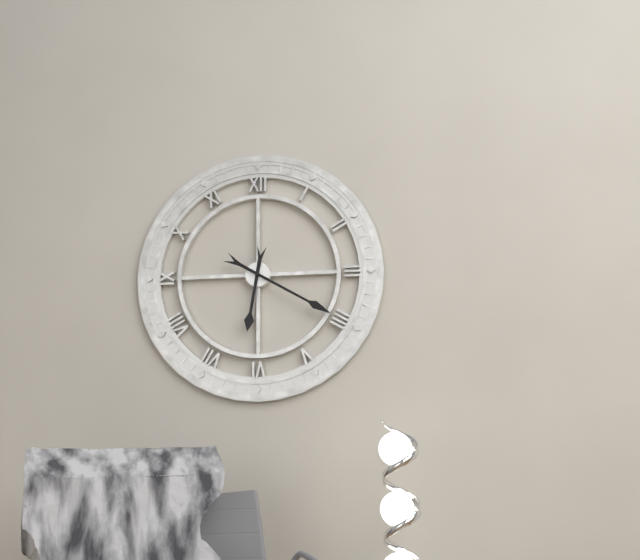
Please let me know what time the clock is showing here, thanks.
6:20
